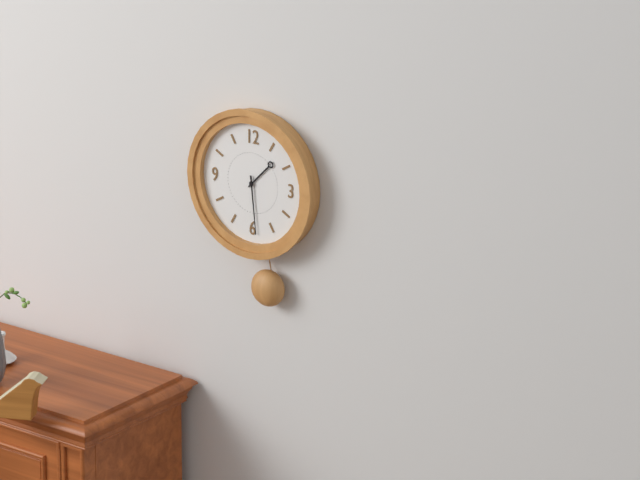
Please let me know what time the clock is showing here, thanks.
1:29
